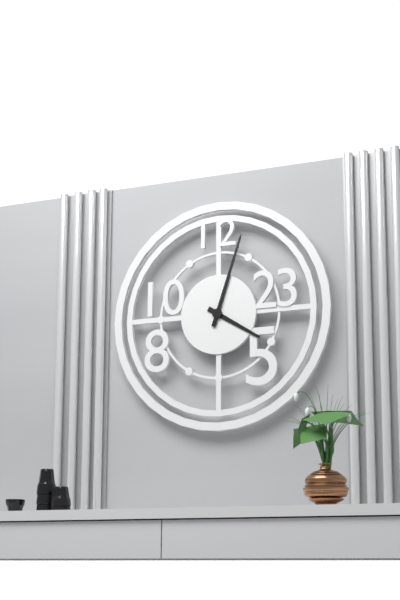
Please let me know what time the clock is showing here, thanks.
4:03
